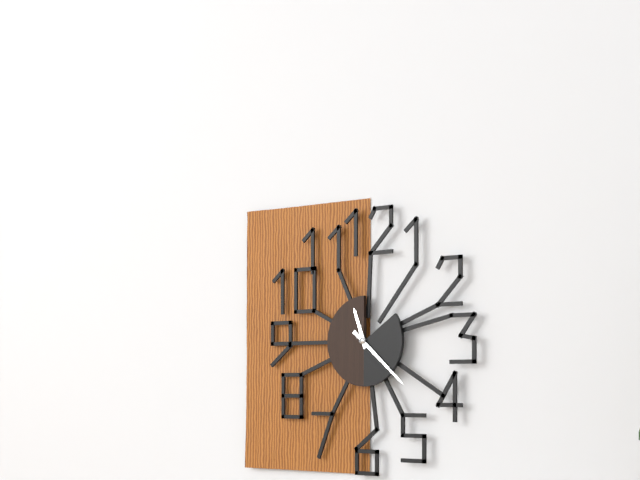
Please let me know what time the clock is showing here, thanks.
11:22
